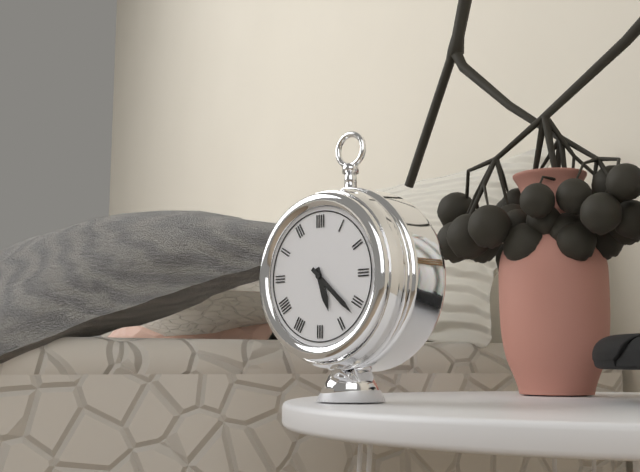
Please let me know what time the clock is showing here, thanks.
5:22
